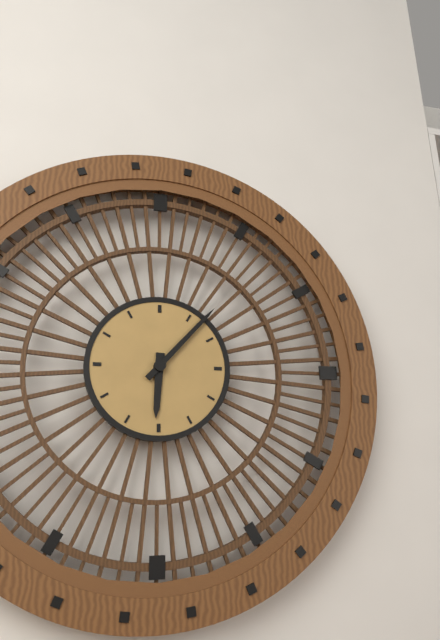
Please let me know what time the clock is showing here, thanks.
6:07
